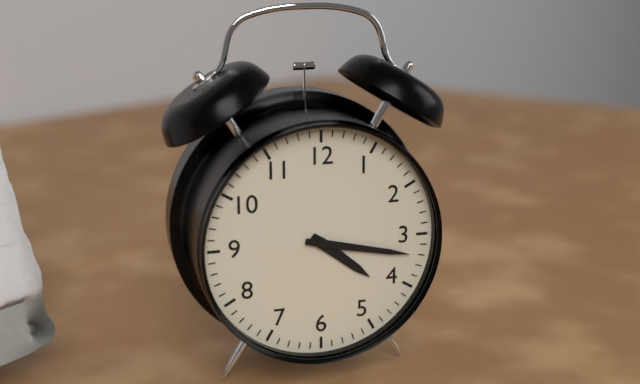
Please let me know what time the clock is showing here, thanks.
4:17
